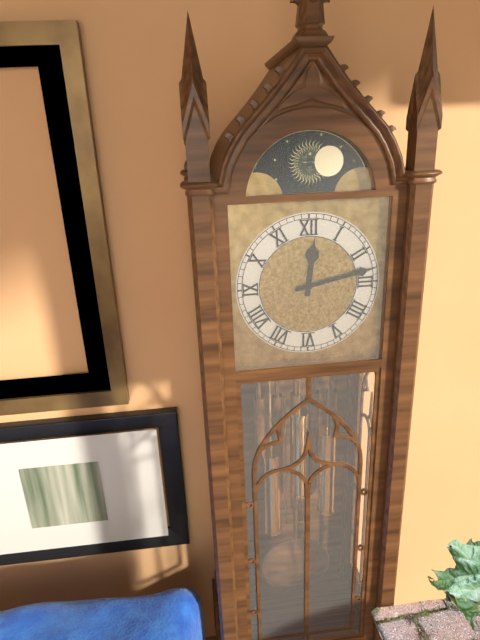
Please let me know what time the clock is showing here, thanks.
12:13
